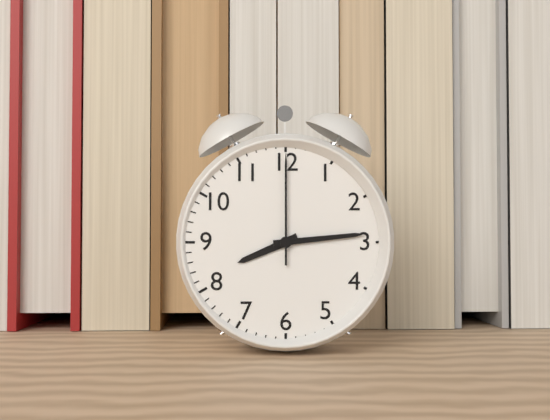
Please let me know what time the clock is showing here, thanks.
8:14:00
